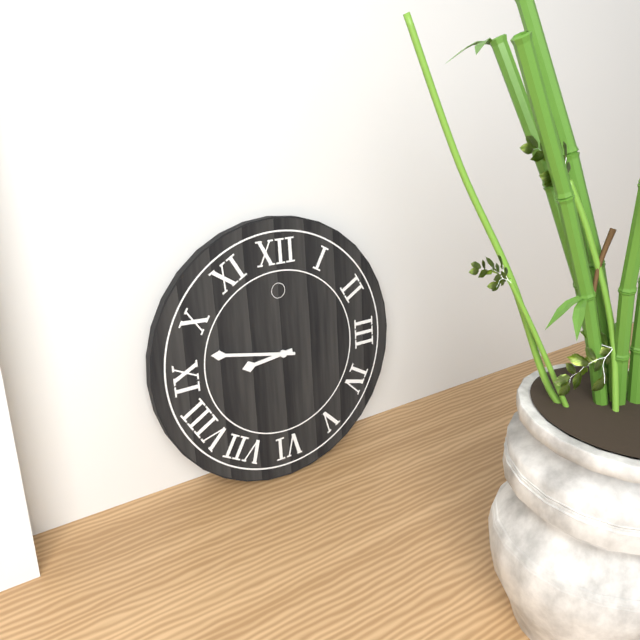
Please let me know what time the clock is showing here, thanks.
8:47
